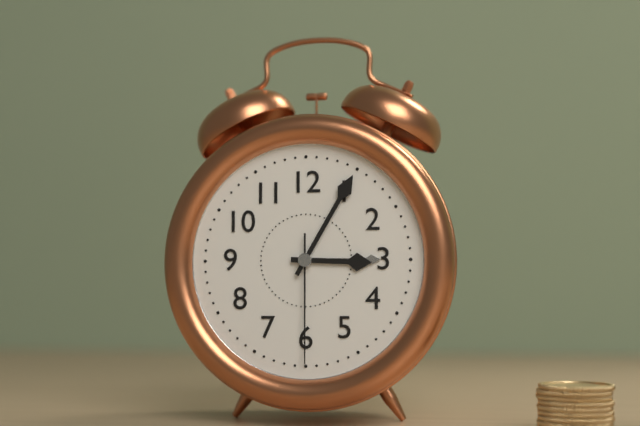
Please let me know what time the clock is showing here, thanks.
3:05:30
